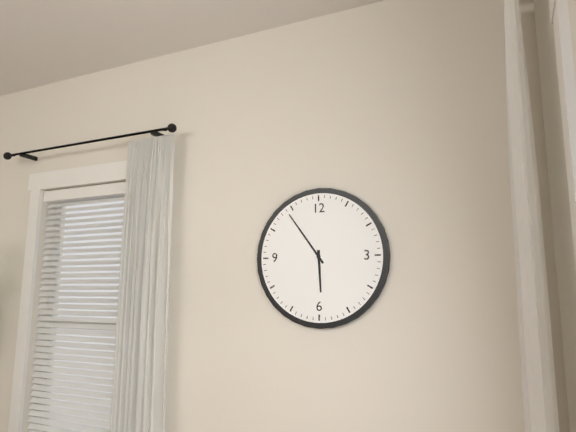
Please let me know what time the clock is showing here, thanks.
5:54
